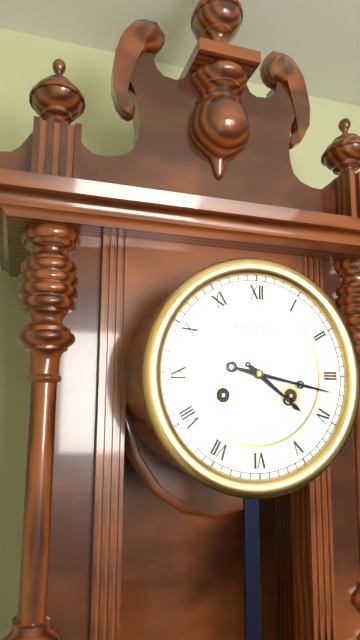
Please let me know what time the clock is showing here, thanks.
4:17
